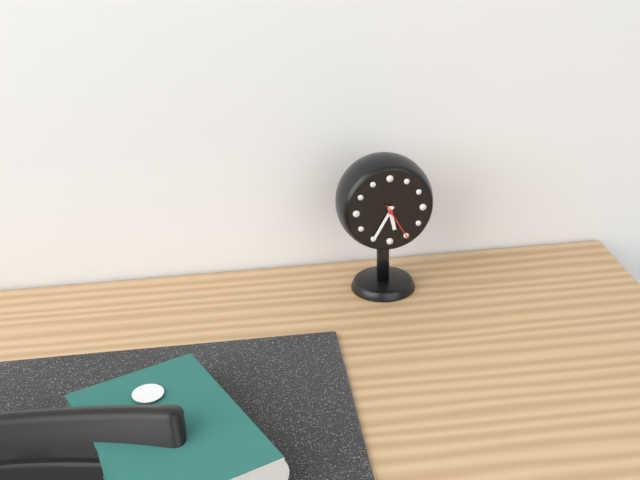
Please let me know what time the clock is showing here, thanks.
5:35
